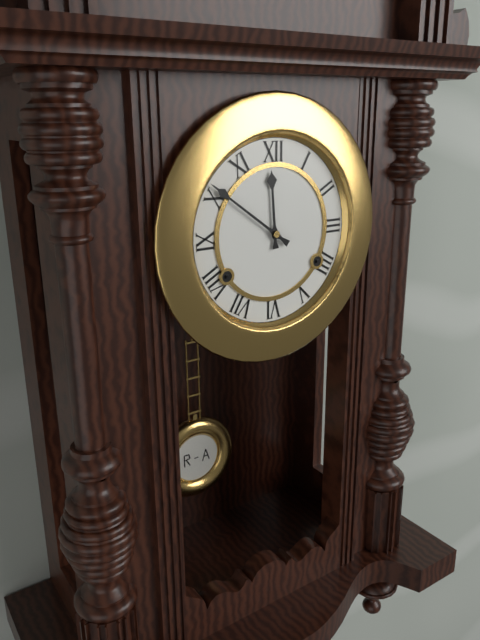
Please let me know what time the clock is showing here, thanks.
11:51
